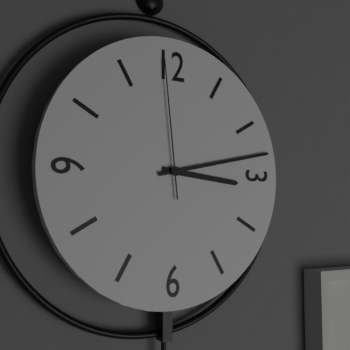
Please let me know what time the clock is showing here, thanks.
3:13:59
